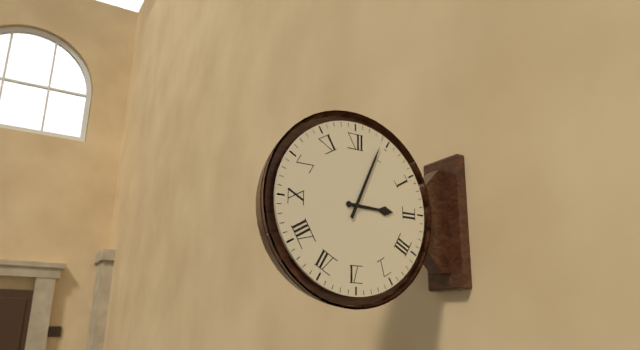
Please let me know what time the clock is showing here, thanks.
3:04
